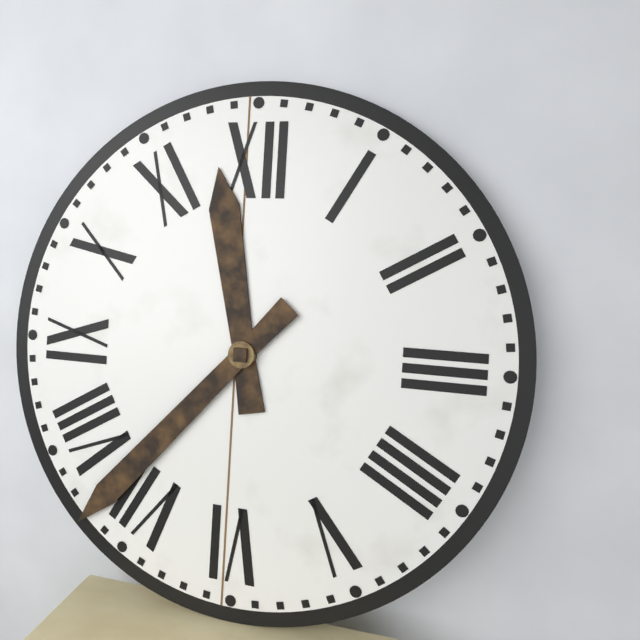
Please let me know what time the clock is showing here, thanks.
11:37
